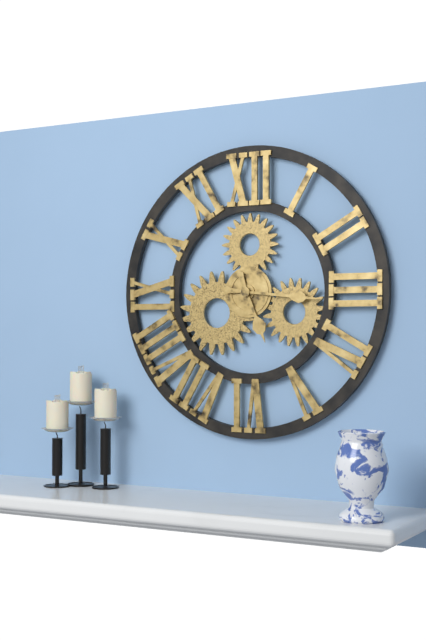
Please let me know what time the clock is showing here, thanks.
5:16
